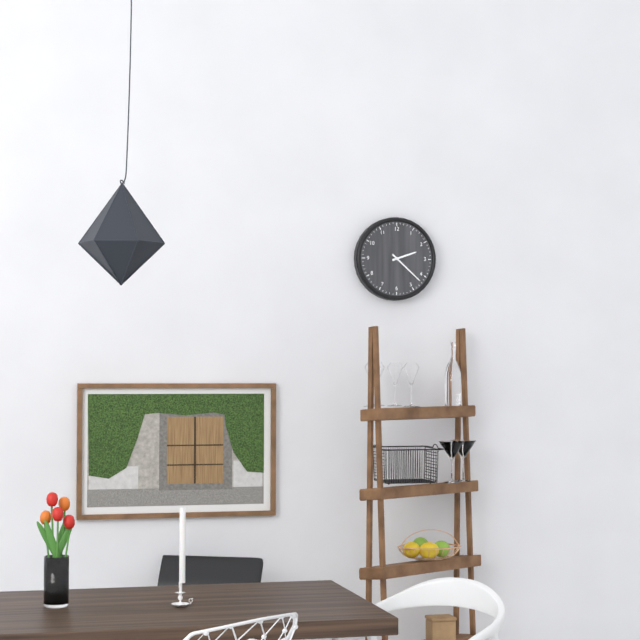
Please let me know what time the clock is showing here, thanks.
2:22
